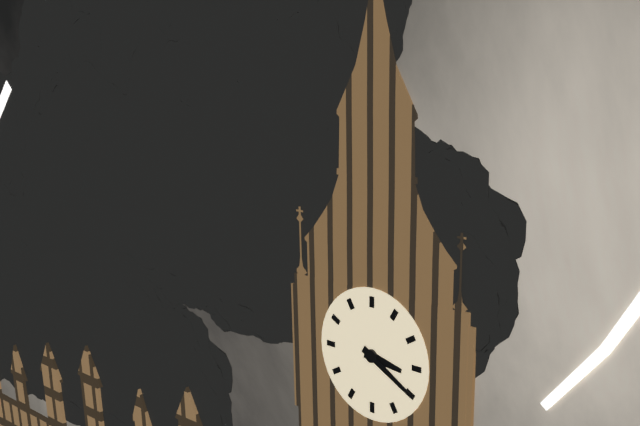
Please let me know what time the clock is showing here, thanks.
3:20
